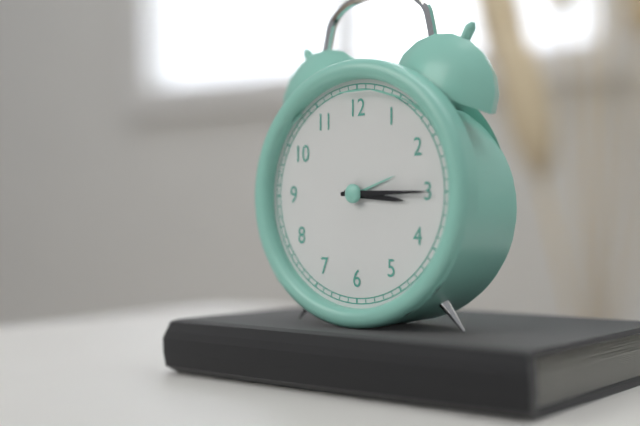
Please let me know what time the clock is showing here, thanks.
3:15
